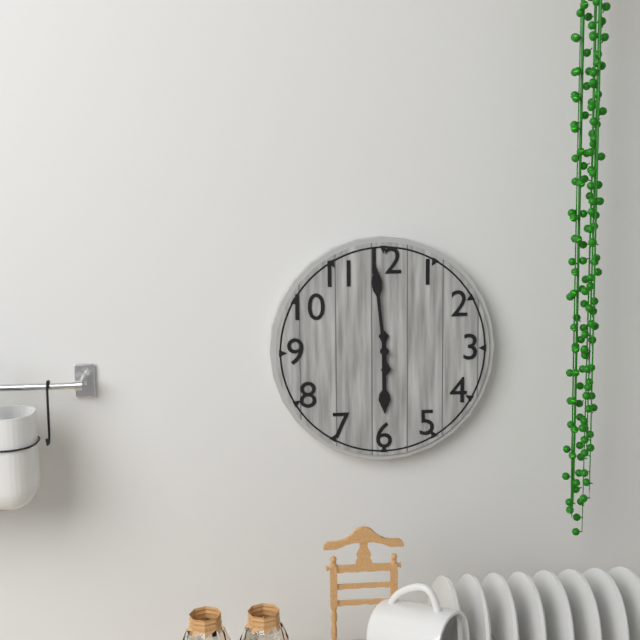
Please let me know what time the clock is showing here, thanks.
5:59
